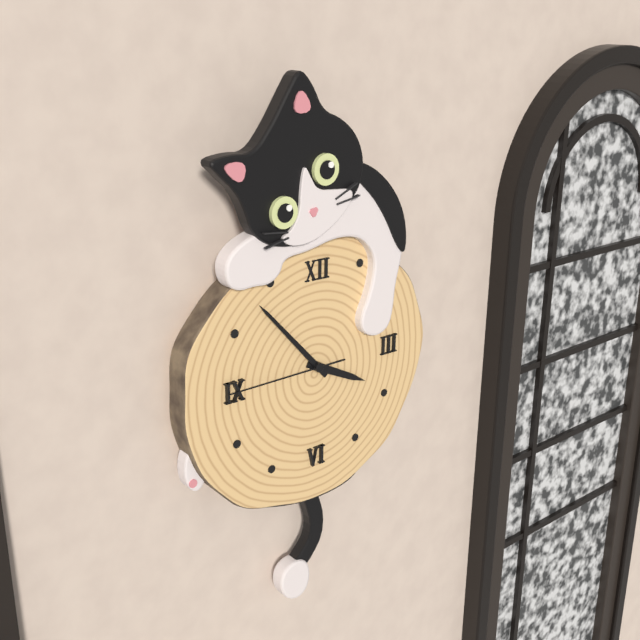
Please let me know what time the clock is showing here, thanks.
3:53:45
